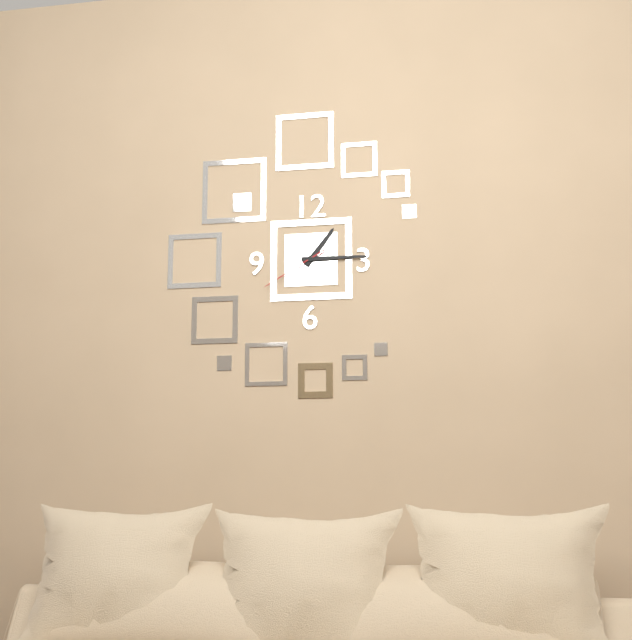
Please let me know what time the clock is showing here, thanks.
1:15:40
